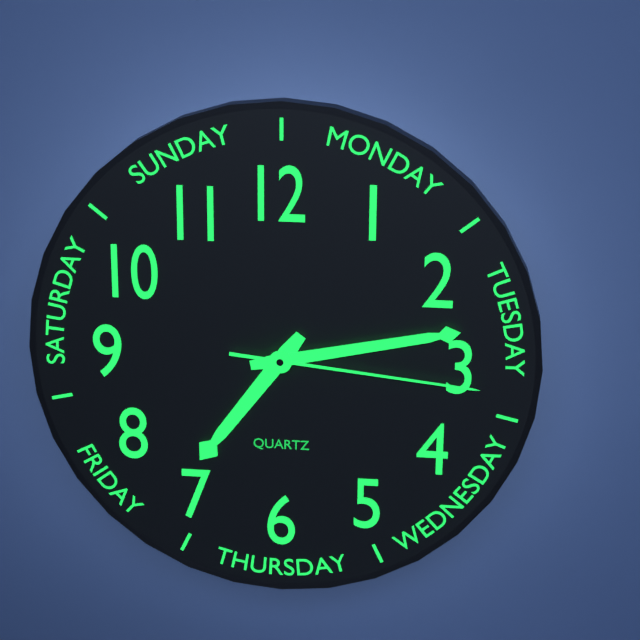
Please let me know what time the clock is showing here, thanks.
7:13:16
